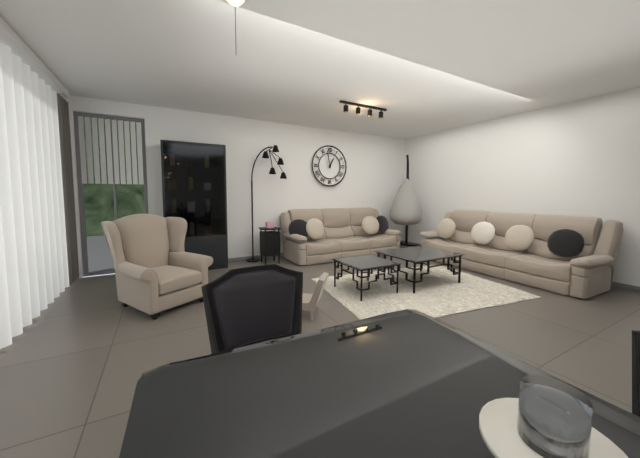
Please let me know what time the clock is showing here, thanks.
12:58
